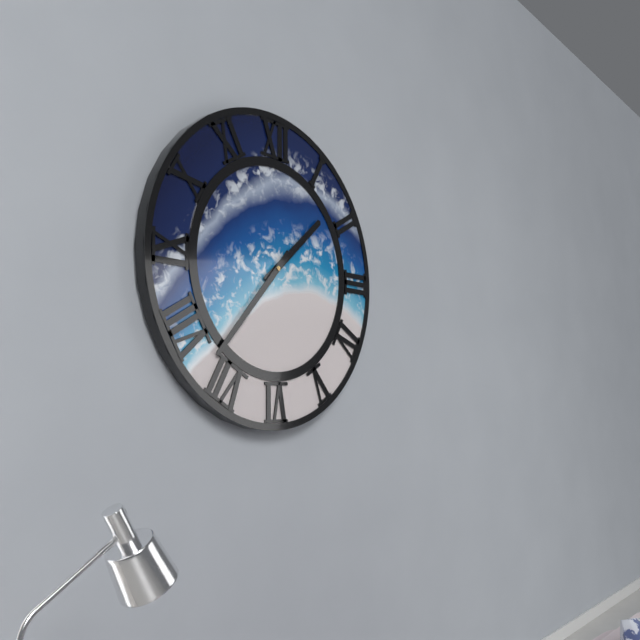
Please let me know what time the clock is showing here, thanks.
1:37
